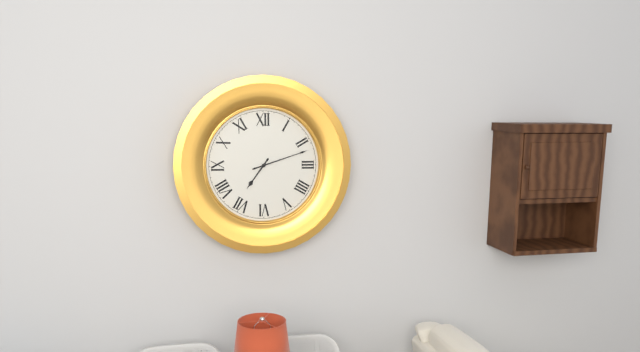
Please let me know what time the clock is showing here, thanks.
7:12
